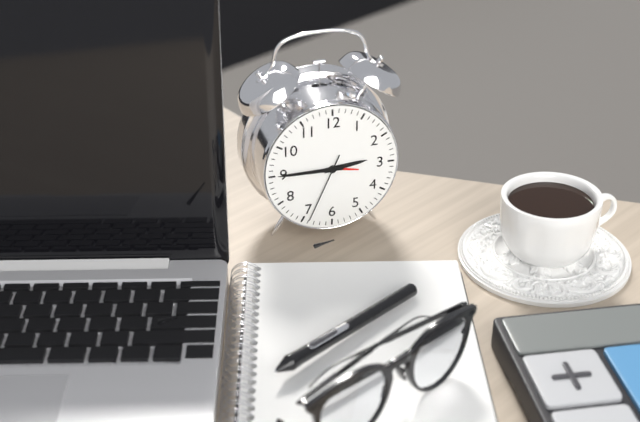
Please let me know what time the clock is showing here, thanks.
2:45:34
